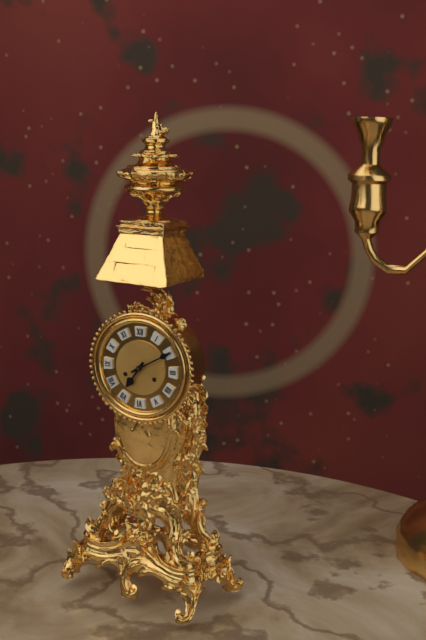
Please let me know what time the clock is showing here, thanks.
7:10
